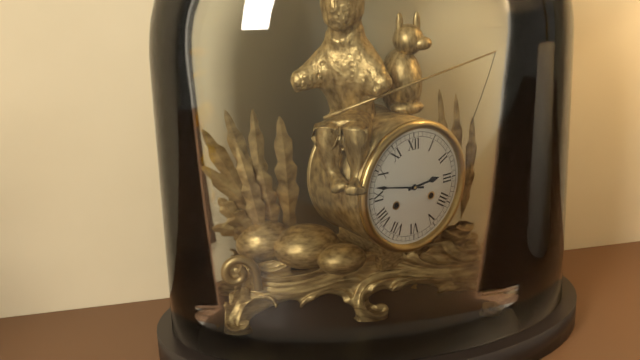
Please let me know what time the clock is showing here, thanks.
2:47
